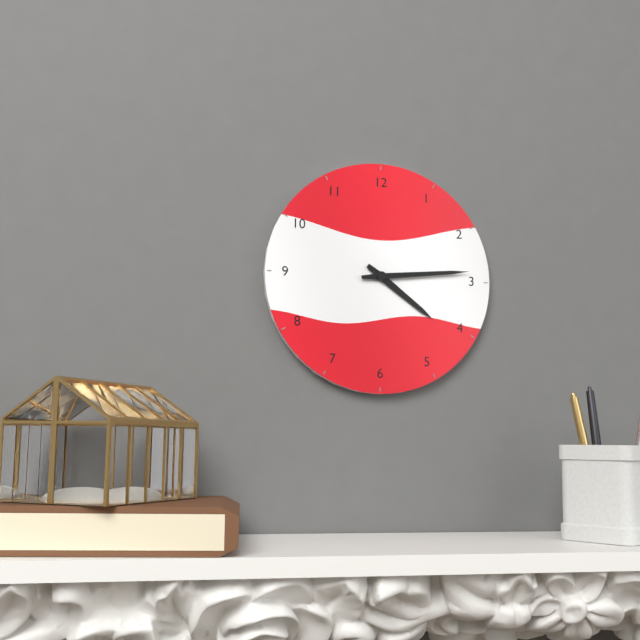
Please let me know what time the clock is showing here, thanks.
4:14
